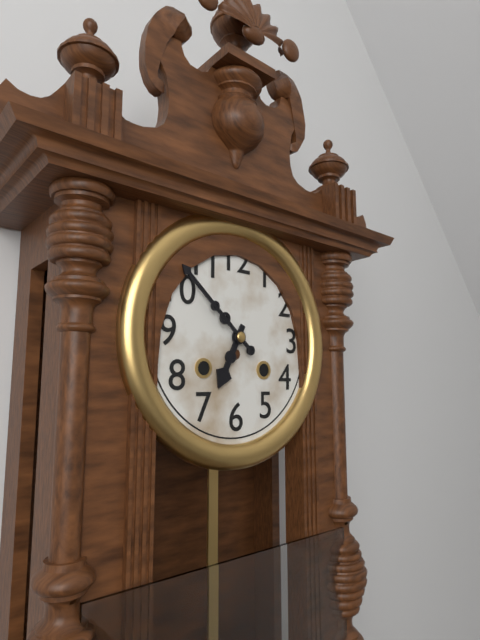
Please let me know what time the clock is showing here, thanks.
6:52
